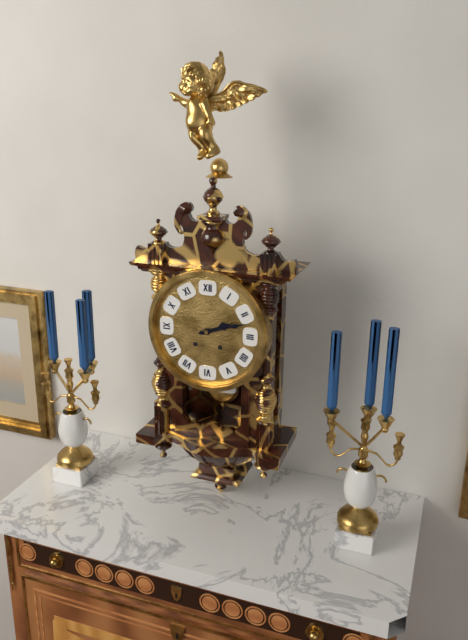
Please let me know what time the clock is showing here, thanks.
2:12
